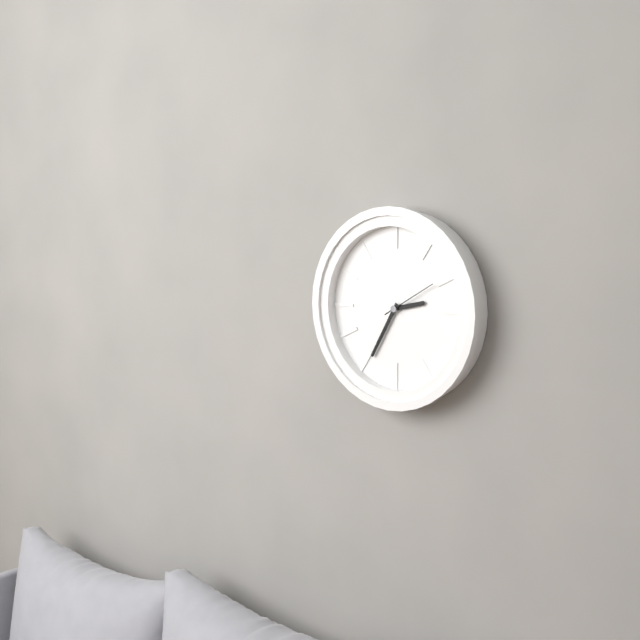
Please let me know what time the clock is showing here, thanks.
2:35:10
